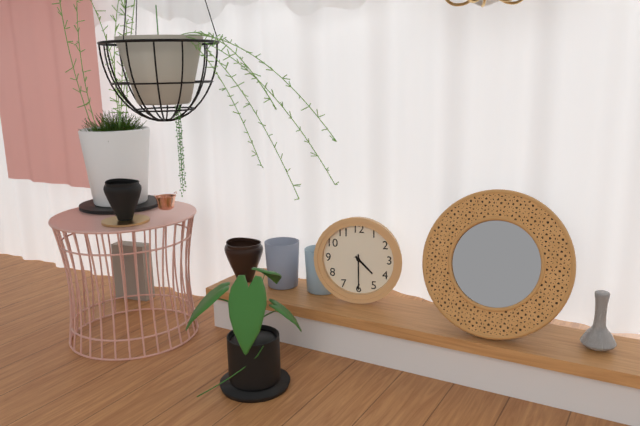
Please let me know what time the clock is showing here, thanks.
4:30
